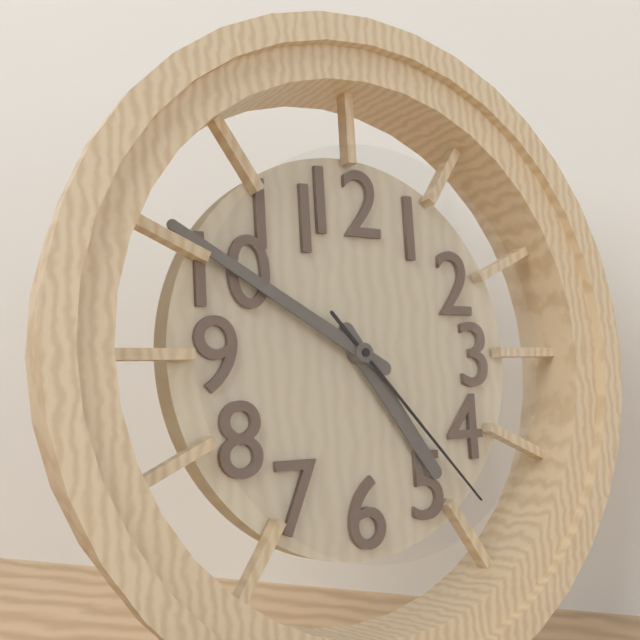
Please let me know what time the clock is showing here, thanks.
4:50:23
